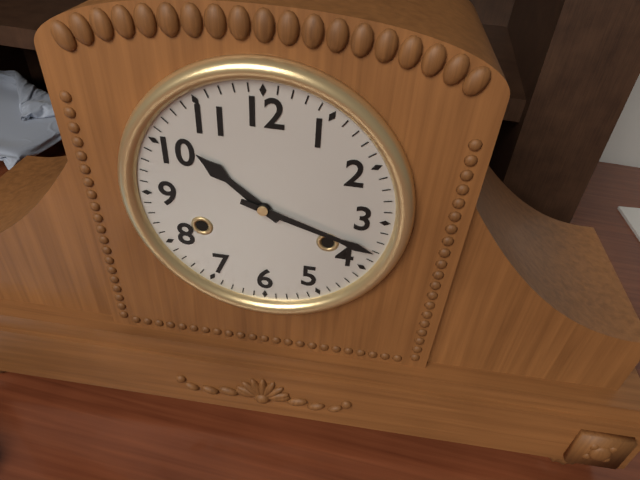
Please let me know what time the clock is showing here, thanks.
10:18
